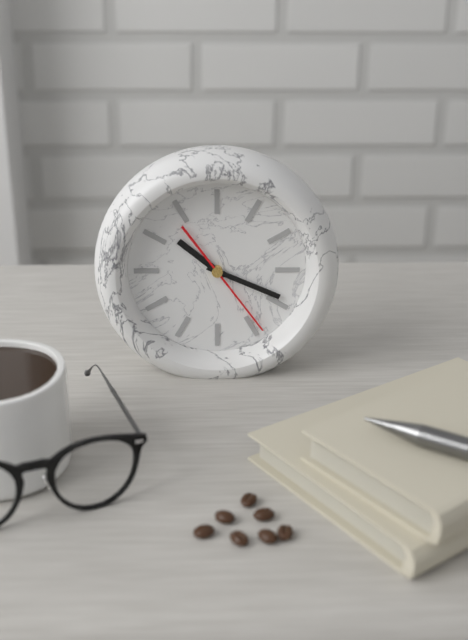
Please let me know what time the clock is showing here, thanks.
10:19:24
